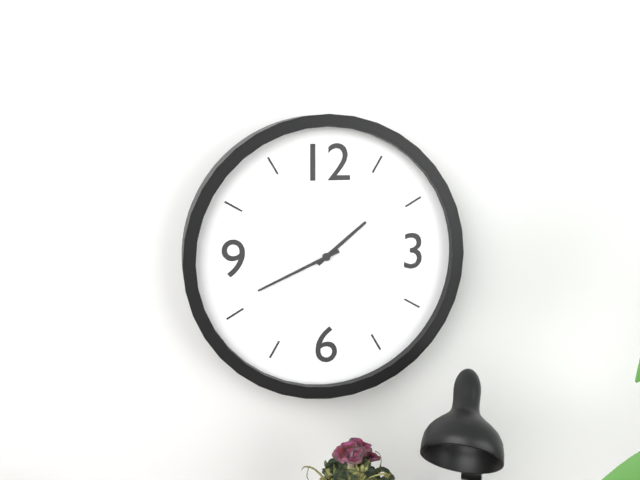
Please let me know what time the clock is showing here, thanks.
1:41
